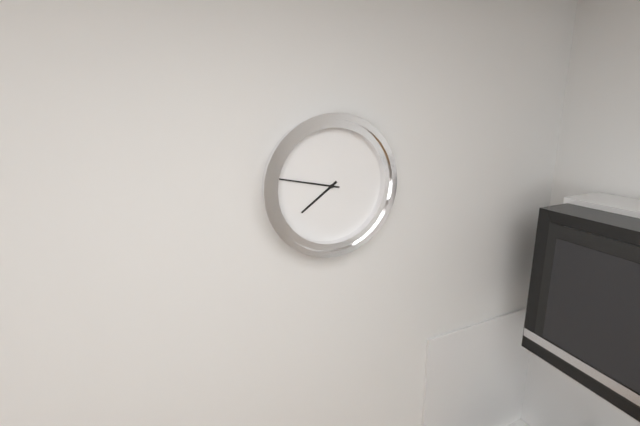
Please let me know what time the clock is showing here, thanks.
7:47
